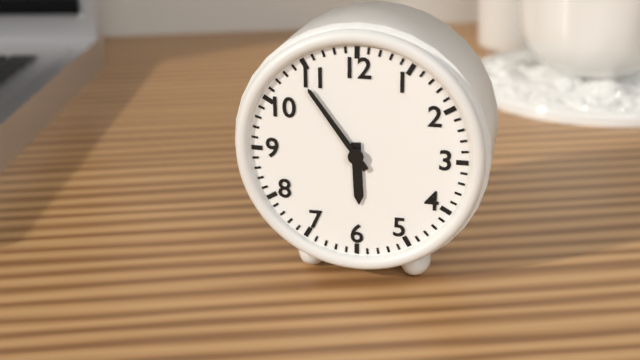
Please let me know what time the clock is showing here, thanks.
5:54
